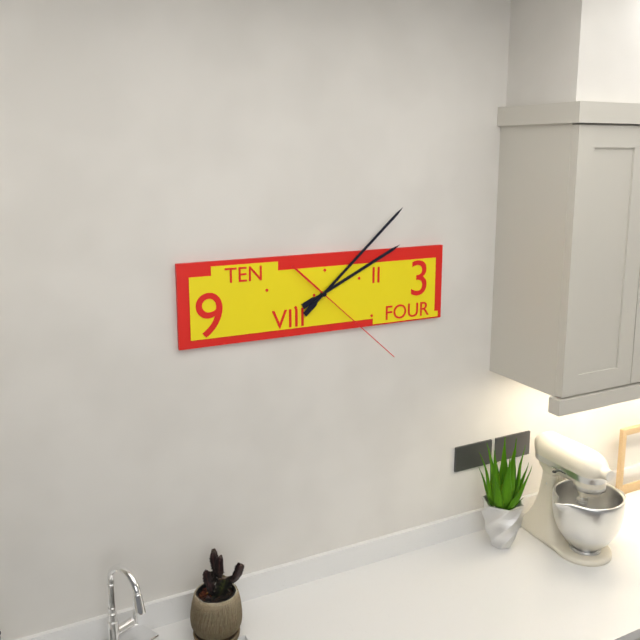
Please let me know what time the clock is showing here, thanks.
2:08:22
